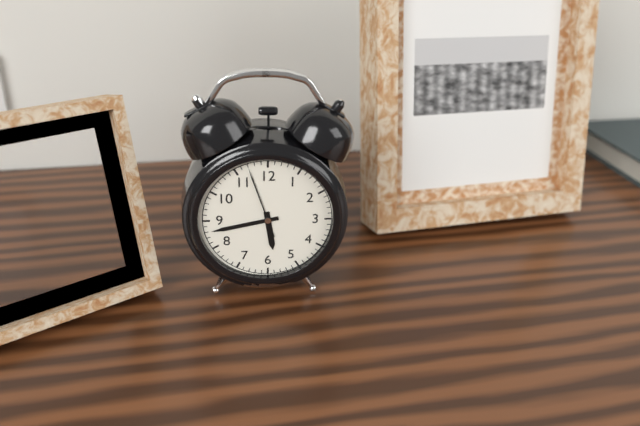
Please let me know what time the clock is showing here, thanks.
5:43:57
